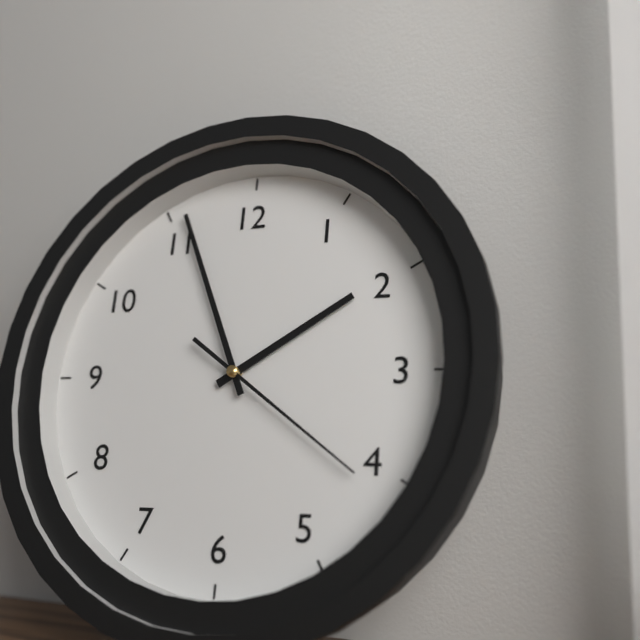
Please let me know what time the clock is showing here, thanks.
1:56:21
